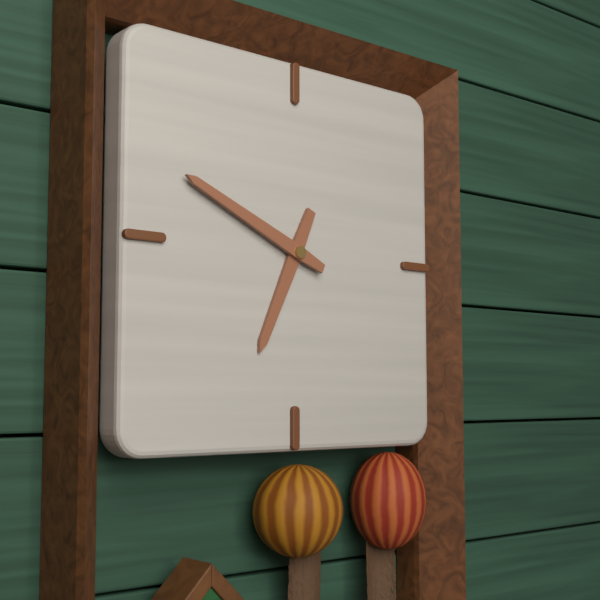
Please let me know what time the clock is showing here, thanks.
6:49
